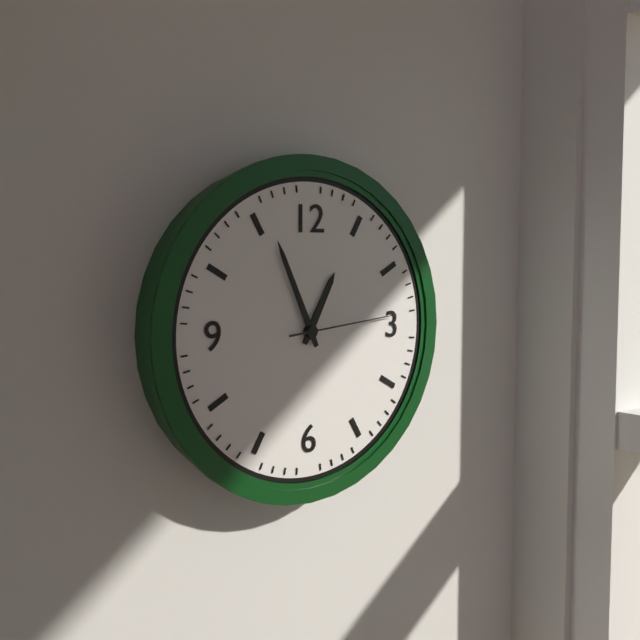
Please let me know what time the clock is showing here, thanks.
12:56:14
